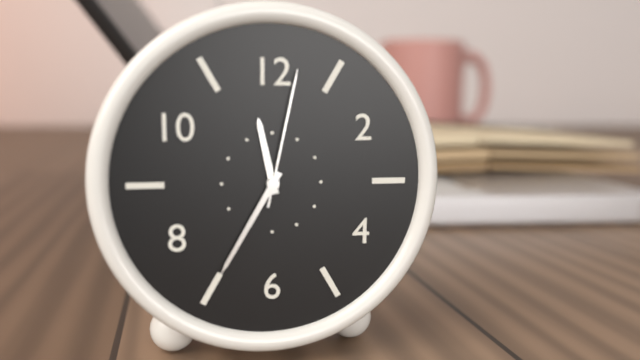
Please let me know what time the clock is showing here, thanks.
11:35:02
